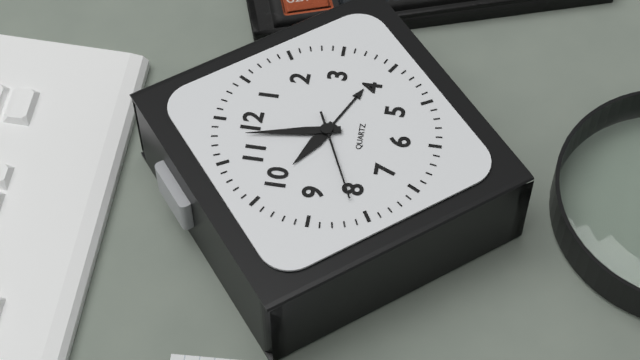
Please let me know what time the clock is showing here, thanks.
9:58:41
